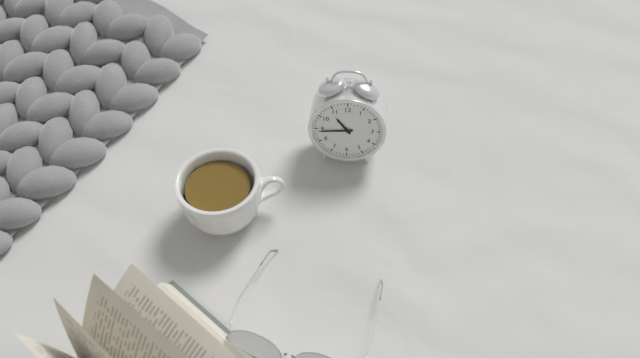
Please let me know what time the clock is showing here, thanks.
10:44
